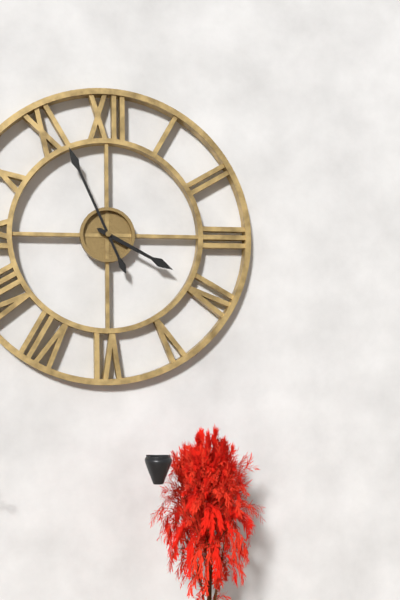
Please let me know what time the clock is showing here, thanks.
3:56
